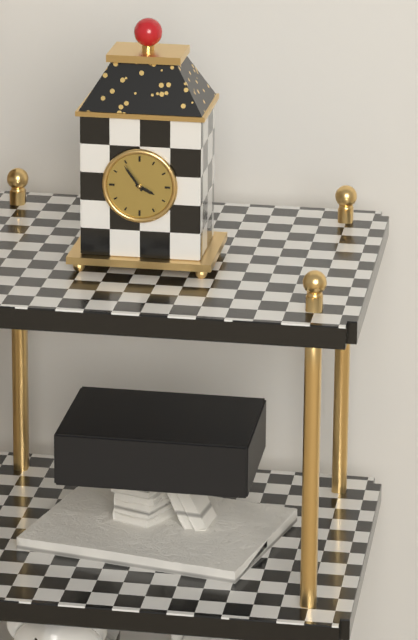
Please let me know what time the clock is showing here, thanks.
3:54
